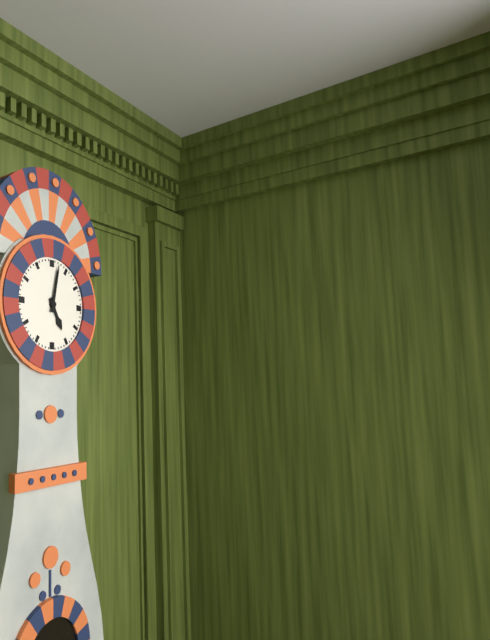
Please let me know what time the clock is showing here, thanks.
5:02
